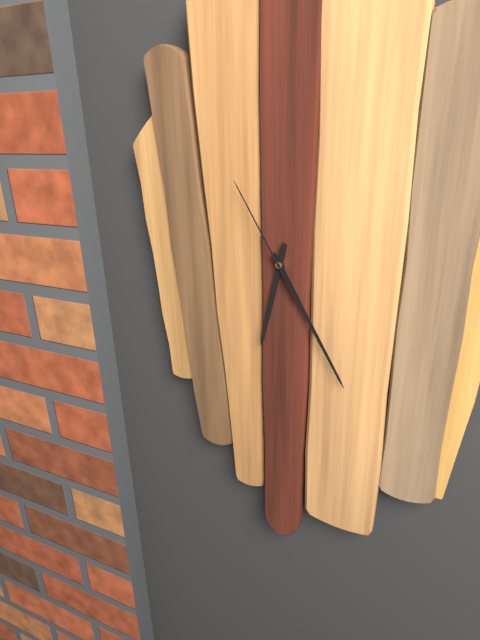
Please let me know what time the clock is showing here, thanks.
6:25:55
